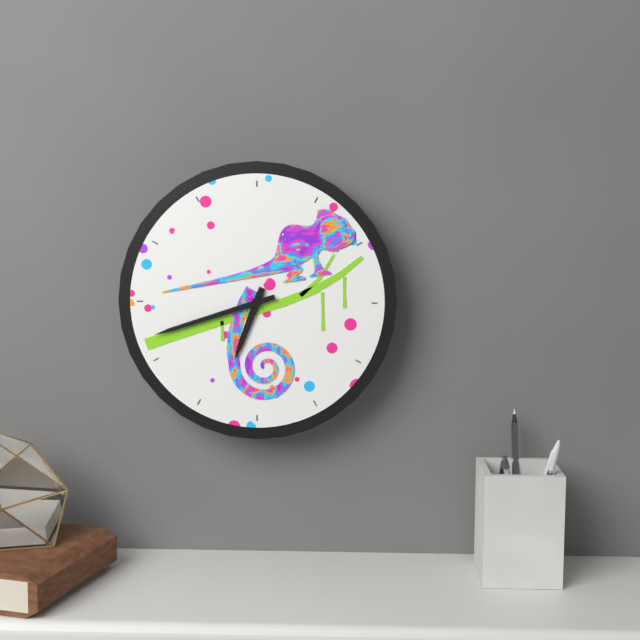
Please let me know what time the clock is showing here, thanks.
6:42
